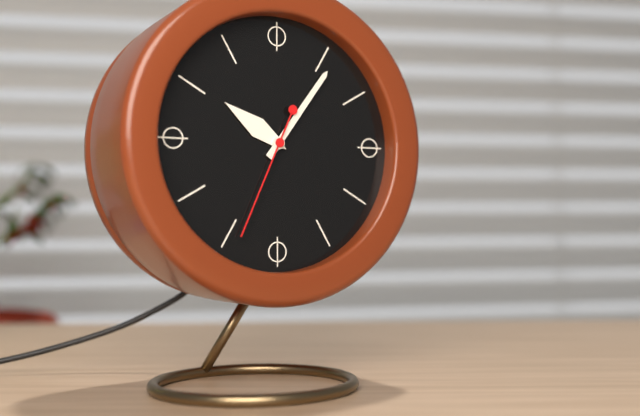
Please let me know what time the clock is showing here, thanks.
10:06:34
